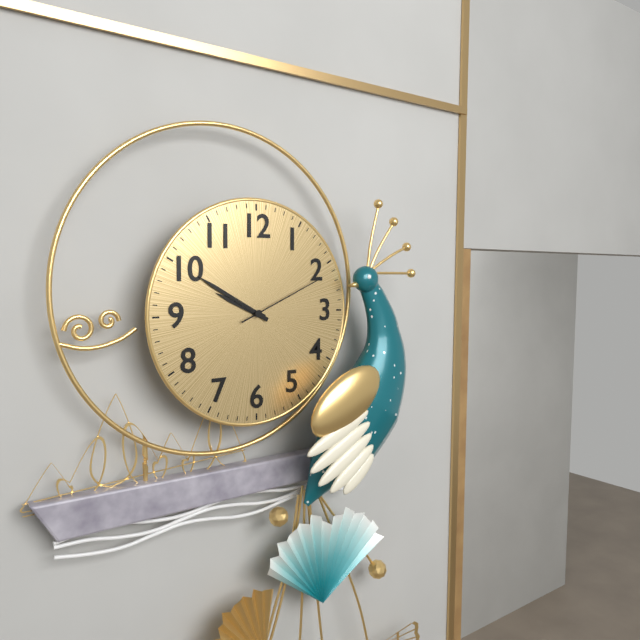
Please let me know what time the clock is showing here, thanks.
9:50:11
